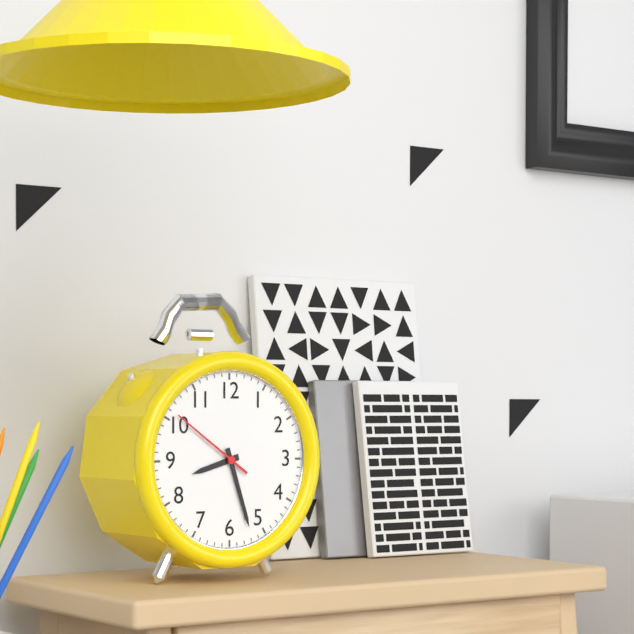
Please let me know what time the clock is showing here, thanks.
8:27:51
